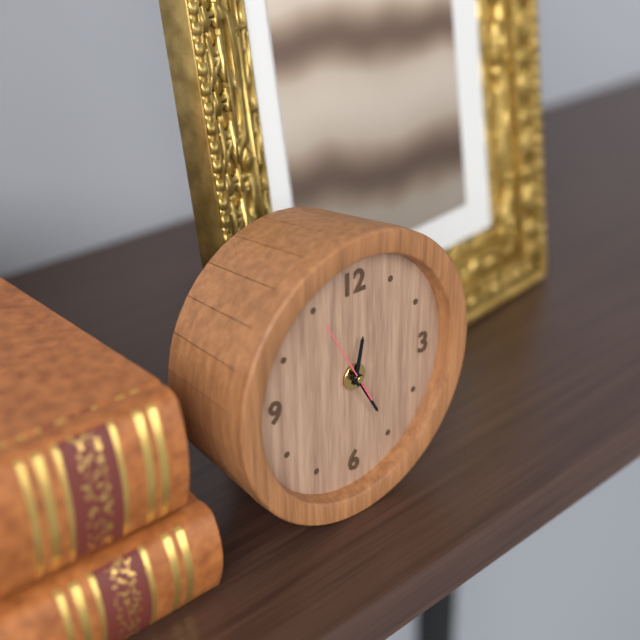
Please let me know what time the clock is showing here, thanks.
12:25:55
